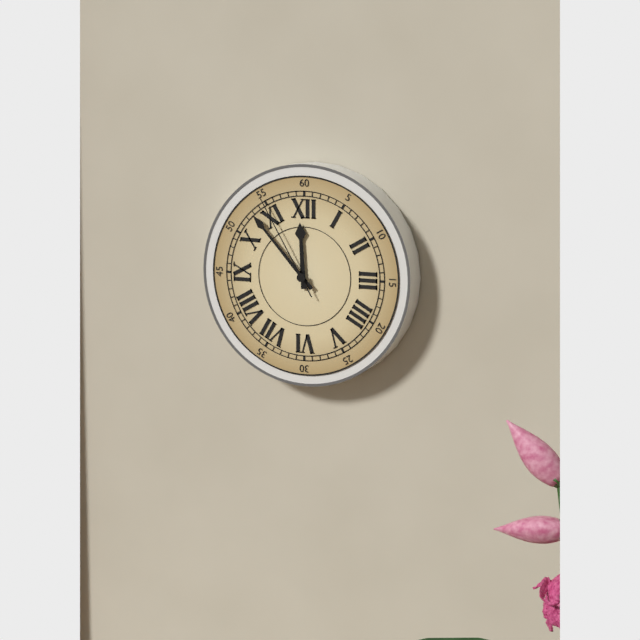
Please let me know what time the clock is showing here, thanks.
11:53:55
